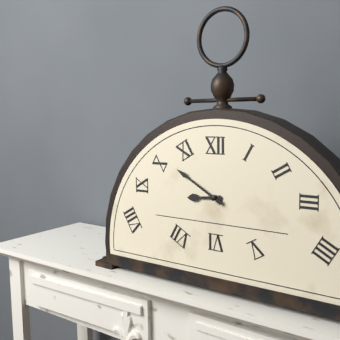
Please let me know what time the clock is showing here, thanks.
8:50
